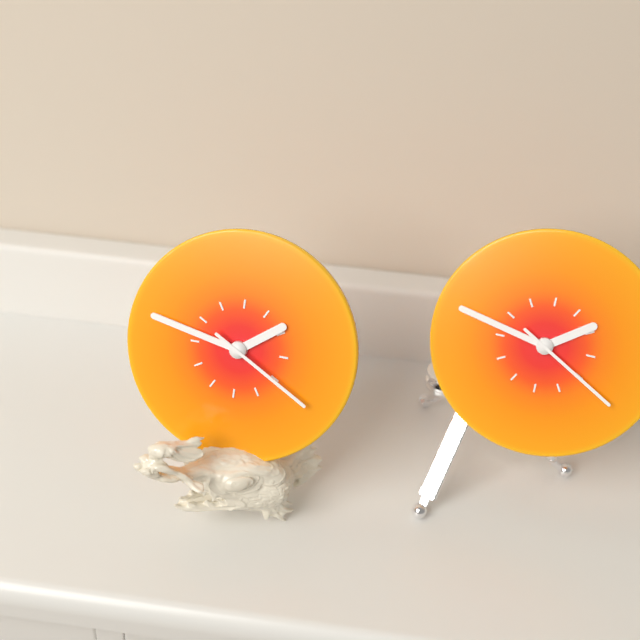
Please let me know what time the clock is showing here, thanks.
1:47:20
